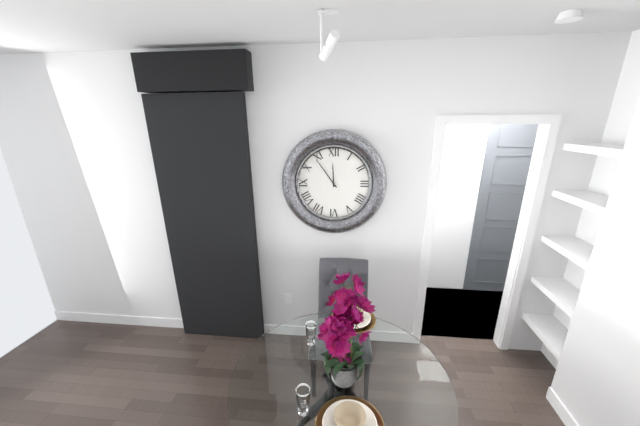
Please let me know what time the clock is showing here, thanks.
11:54
